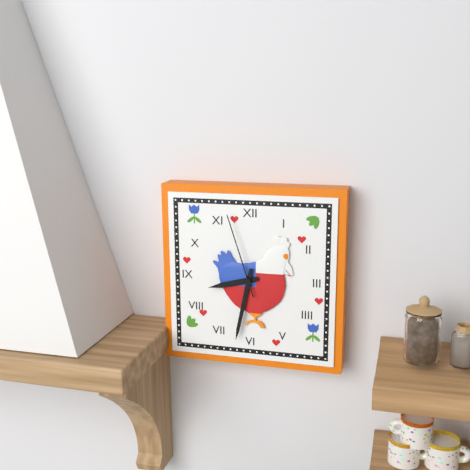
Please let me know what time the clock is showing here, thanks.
8:32:57
